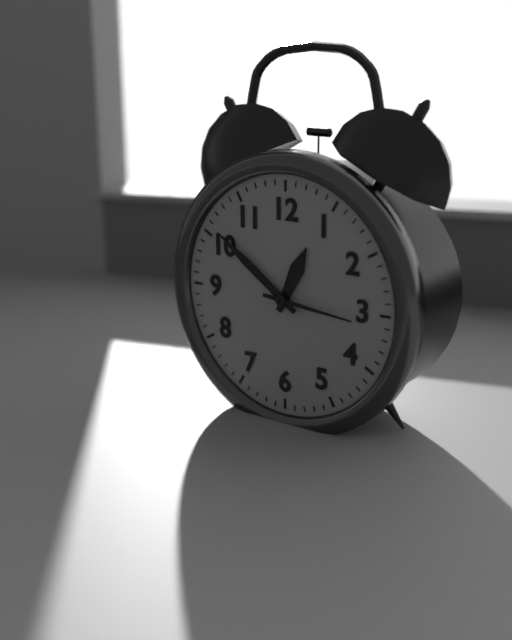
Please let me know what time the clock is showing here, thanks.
12:51:16
